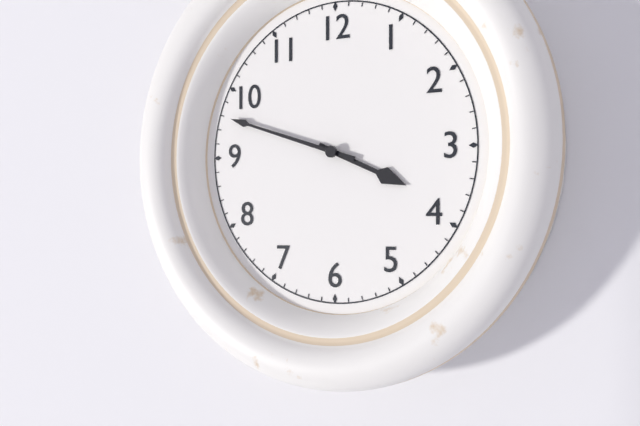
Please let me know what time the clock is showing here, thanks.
3:48
